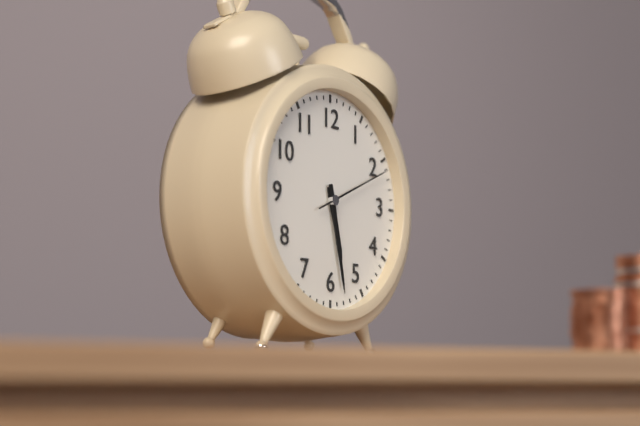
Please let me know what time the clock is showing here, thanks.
5:28:11
